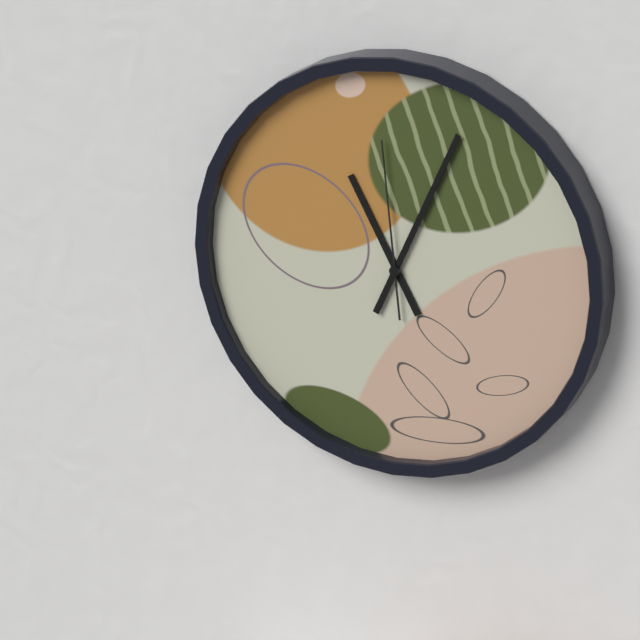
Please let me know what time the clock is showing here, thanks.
11:04:59
